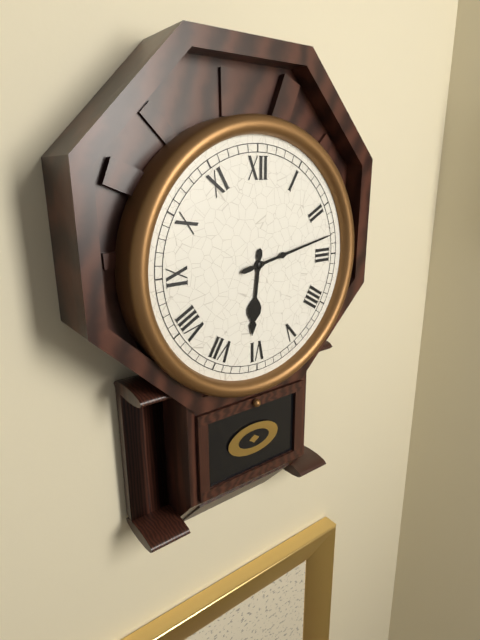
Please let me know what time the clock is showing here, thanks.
6:13
